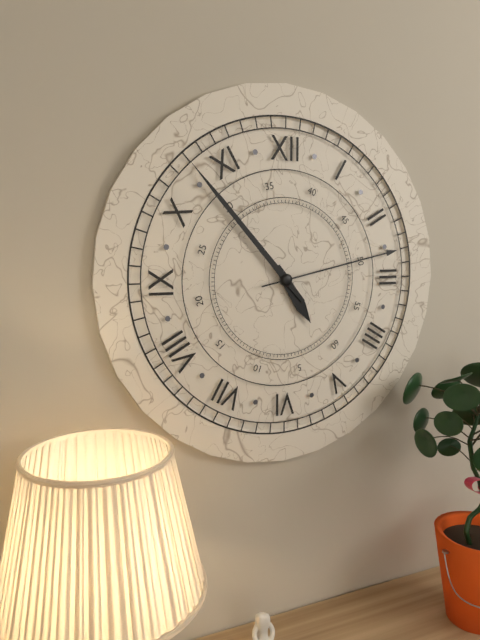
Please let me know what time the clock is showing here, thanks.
4:53:13
